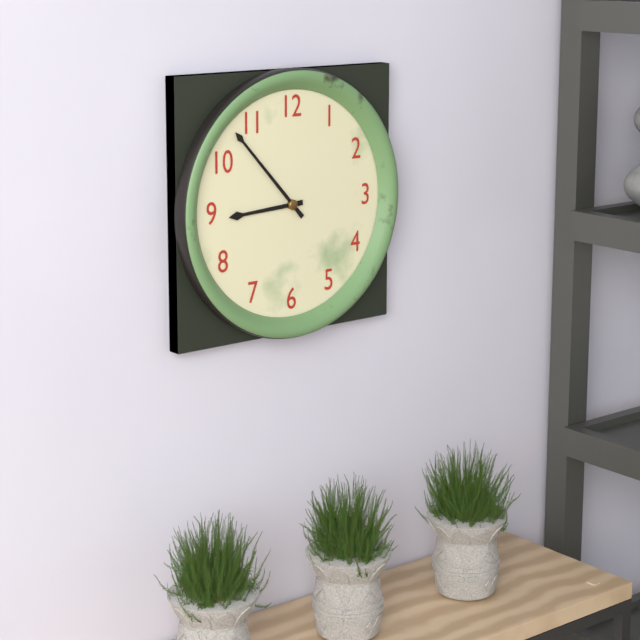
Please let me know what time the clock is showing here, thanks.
8:53
